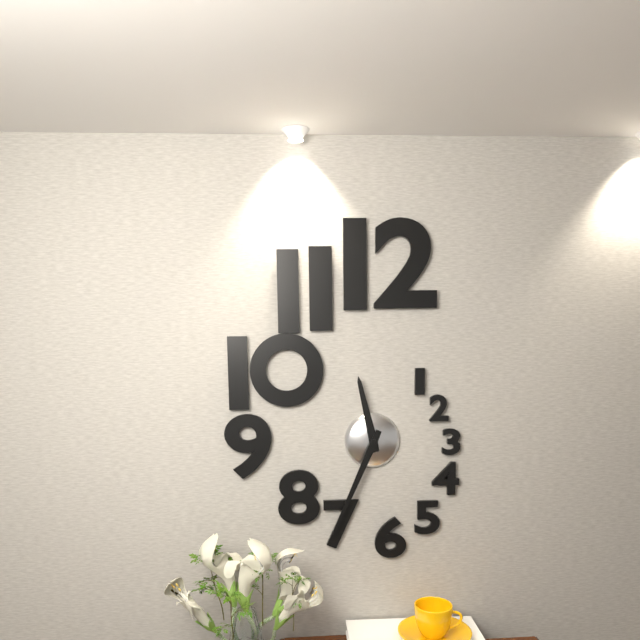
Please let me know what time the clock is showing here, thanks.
11:34
